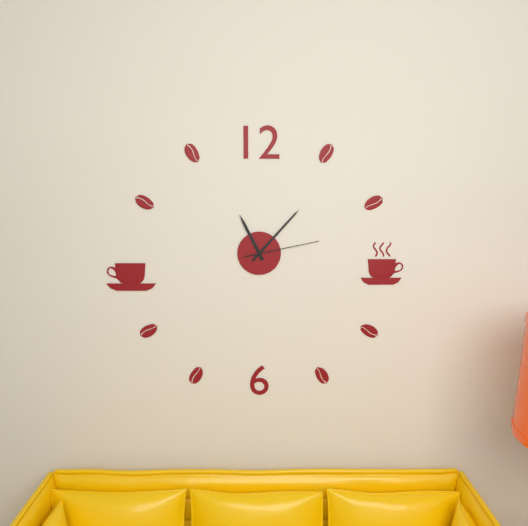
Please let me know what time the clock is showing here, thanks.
11:07:13
